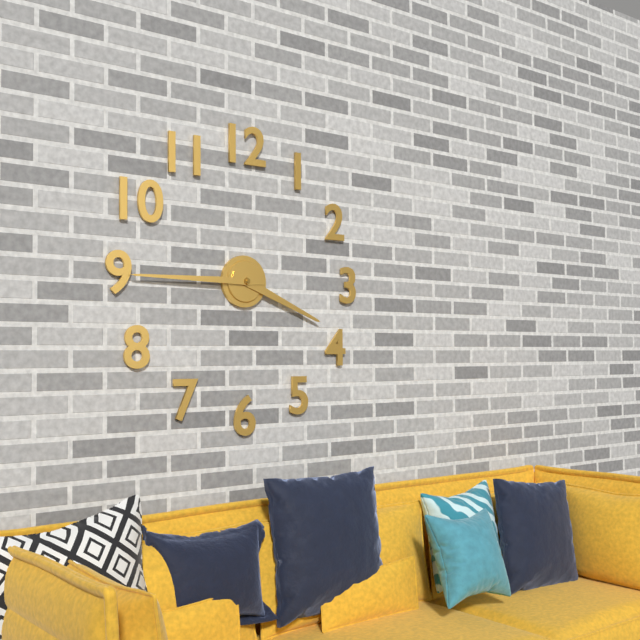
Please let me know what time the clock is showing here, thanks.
3:45
